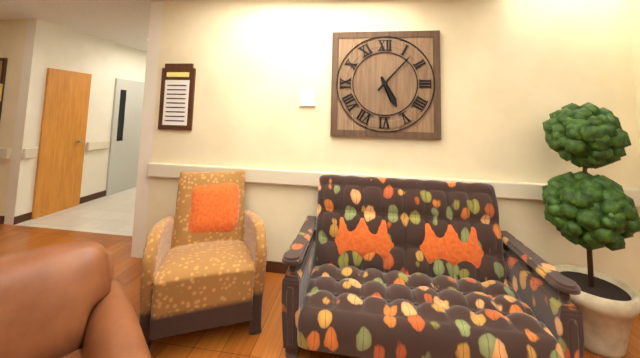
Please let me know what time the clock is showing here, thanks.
5:07
